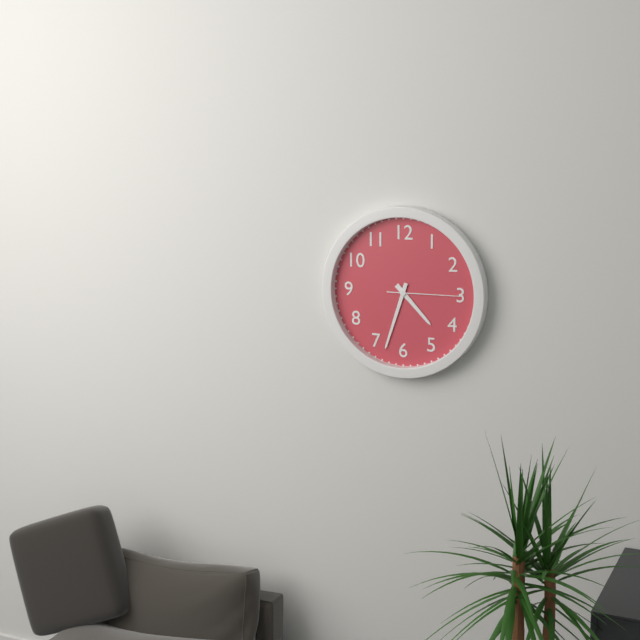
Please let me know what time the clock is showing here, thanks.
4:33:15
